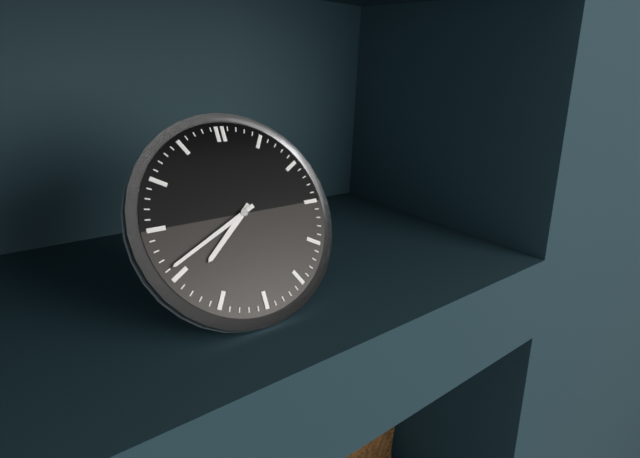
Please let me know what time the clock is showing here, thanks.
7:41
